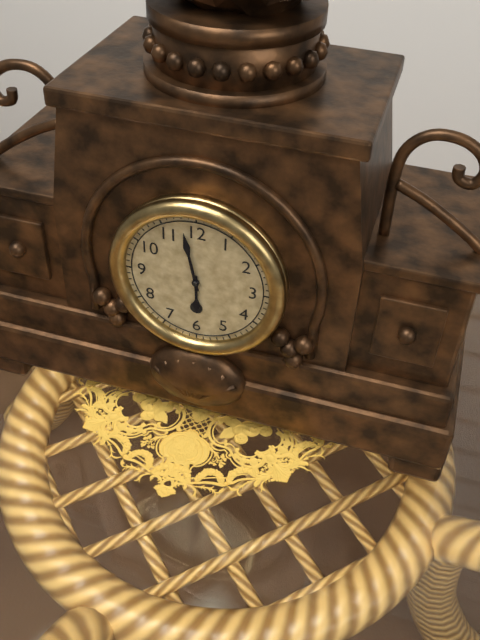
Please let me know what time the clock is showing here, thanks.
5:58
